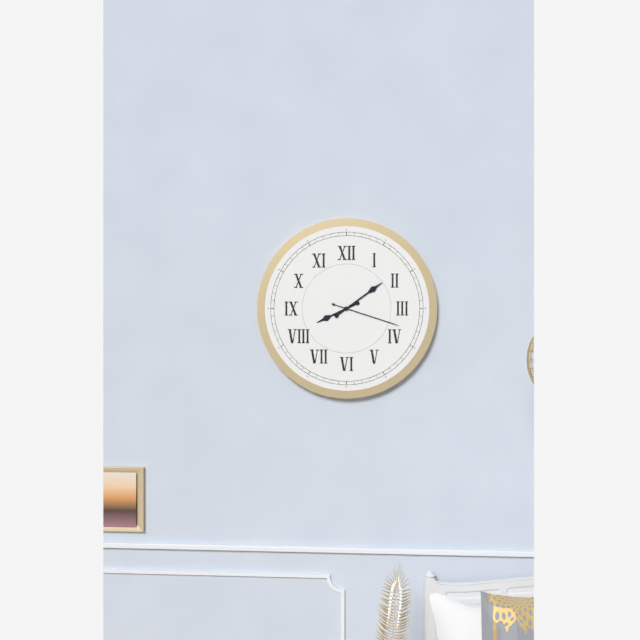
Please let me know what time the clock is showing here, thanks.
8:09:18
